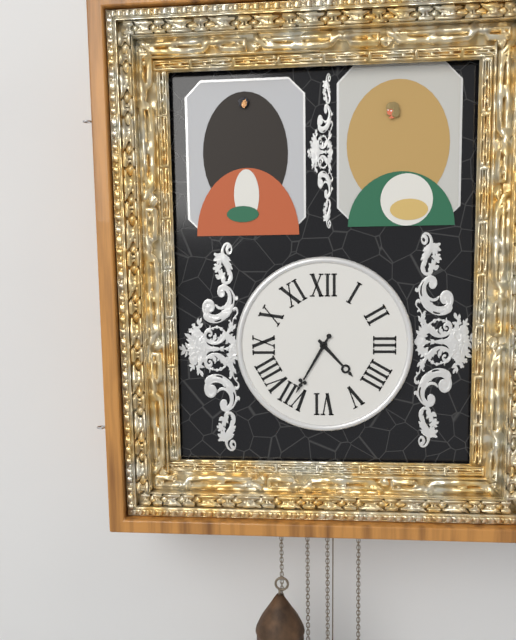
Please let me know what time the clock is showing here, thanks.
4:35
